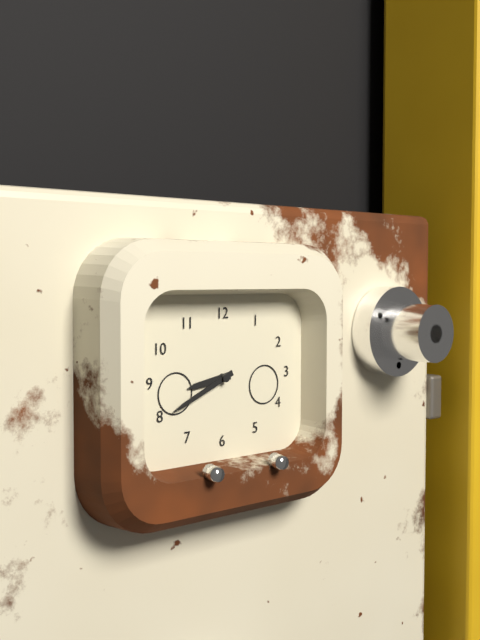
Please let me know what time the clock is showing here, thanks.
8:41
